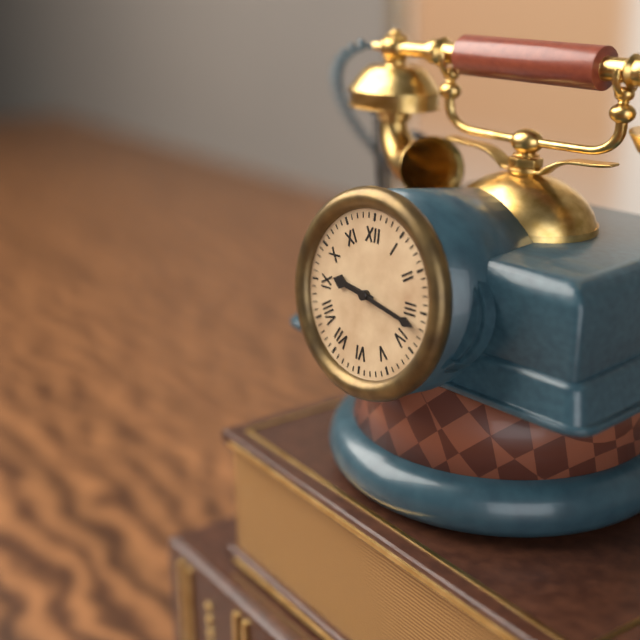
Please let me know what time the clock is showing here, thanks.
9:17
